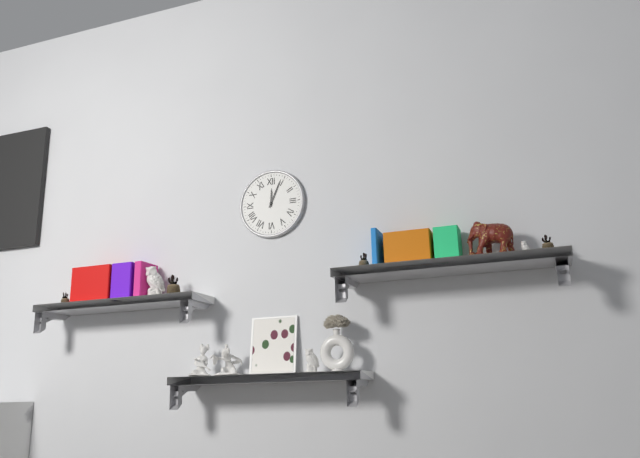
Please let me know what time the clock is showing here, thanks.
12:04
